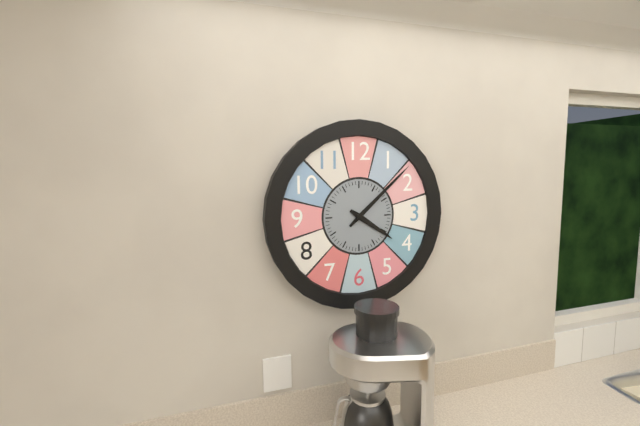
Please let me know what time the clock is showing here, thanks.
4:08
